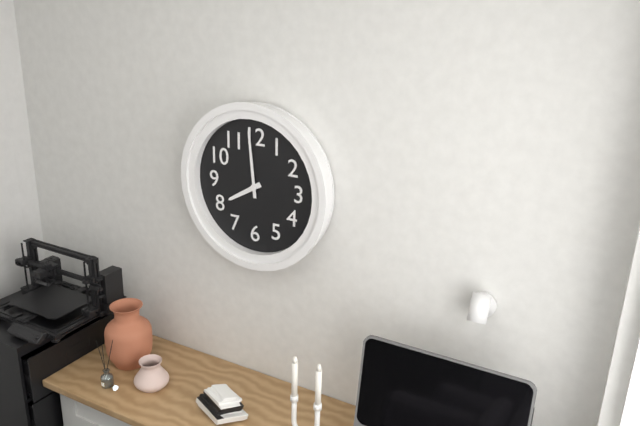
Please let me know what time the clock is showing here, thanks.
7:59
